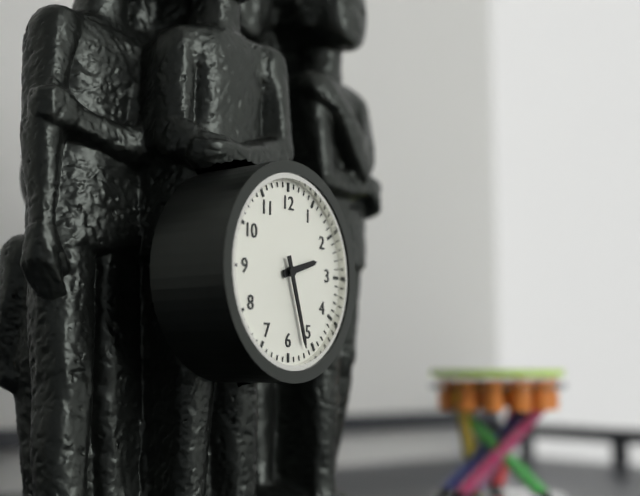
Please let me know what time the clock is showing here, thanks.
2:27
